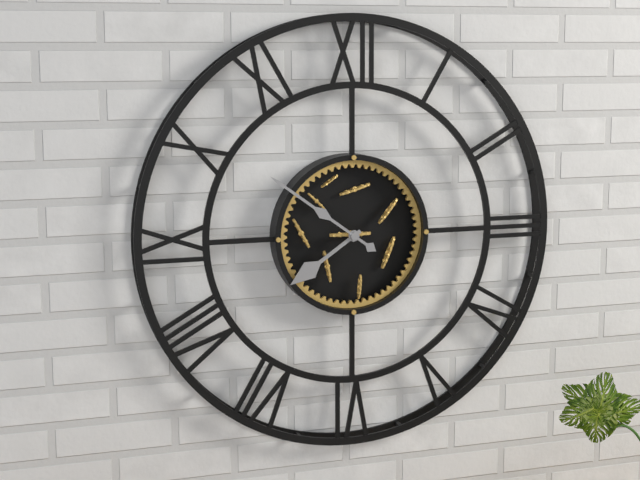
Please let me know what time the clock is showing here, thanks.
7:51
